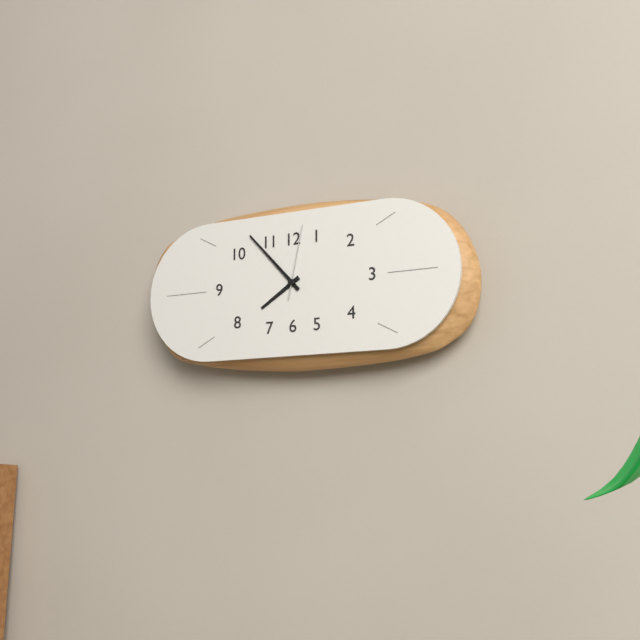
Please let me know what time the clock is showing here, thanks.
7:53:02
